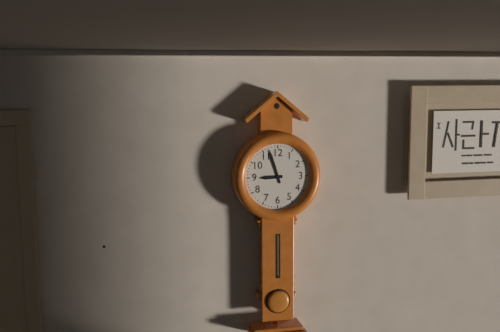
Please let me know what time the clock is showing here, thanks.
8:57
